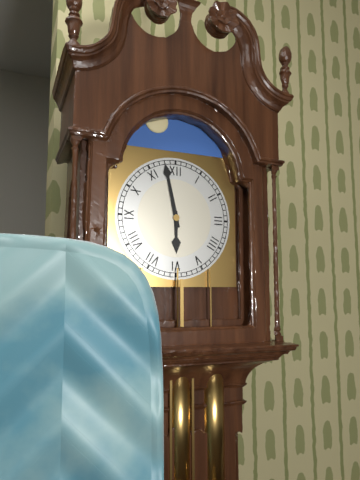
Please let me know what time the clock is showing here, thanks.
5:58
